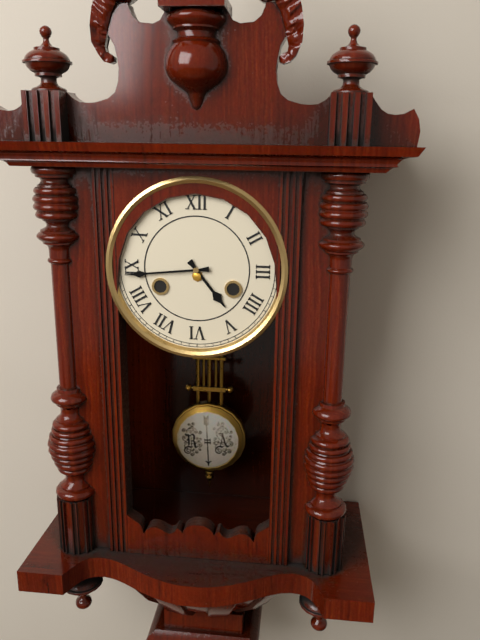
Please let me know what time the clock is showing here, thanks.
4:44
